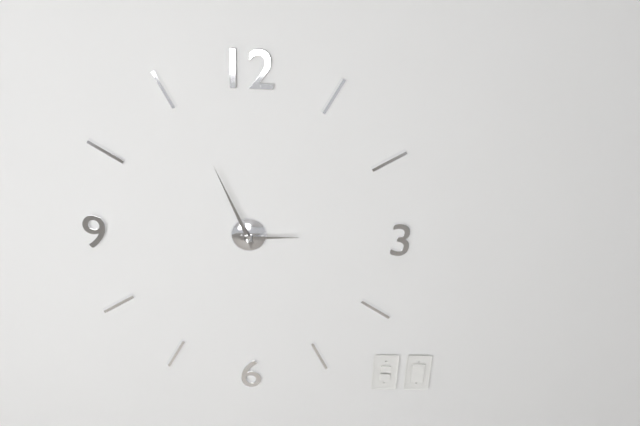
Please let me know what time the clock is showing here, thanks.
2:56
